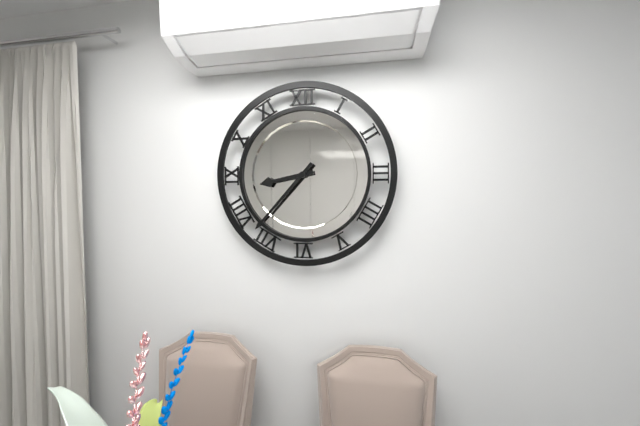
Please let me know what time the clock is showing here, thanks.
8:37
